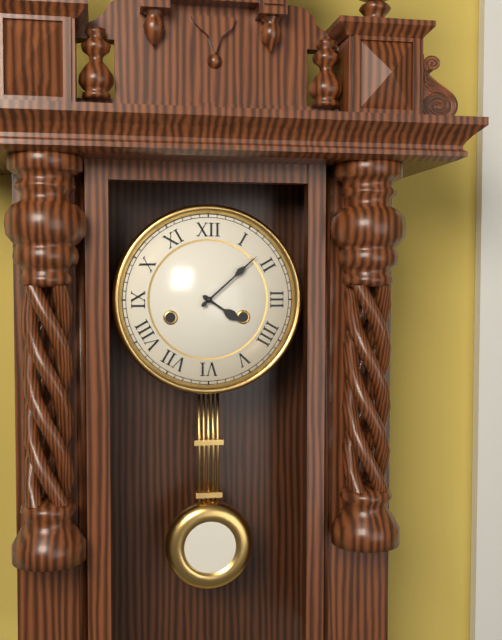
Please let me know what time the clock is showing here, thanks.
4:08
